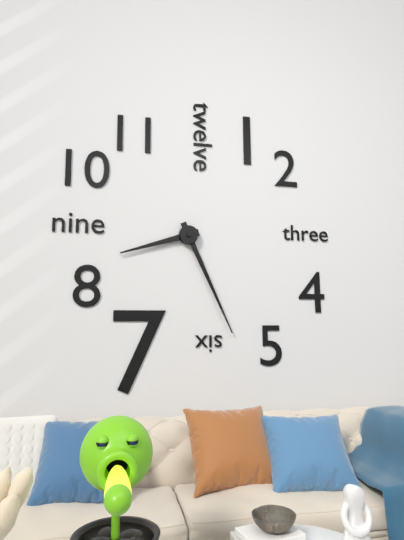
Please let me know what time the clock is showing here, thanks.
8:26
